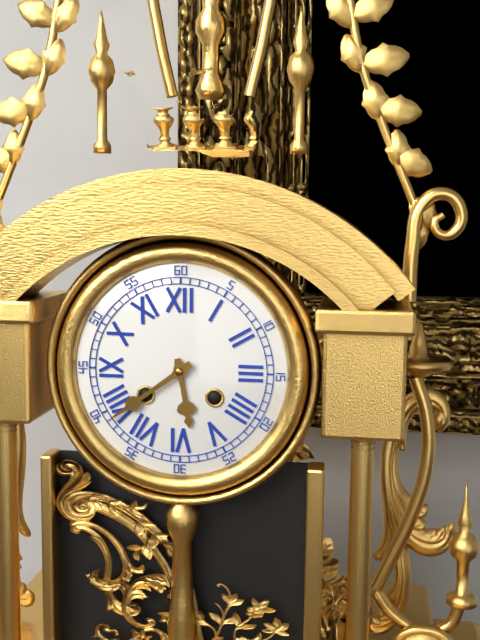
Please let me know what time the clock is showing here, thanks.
5:39
